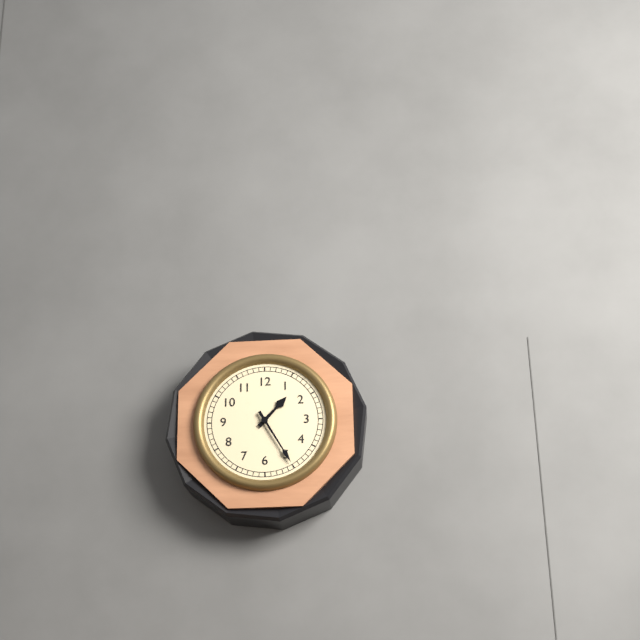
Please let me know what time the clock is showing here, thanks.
1:25
